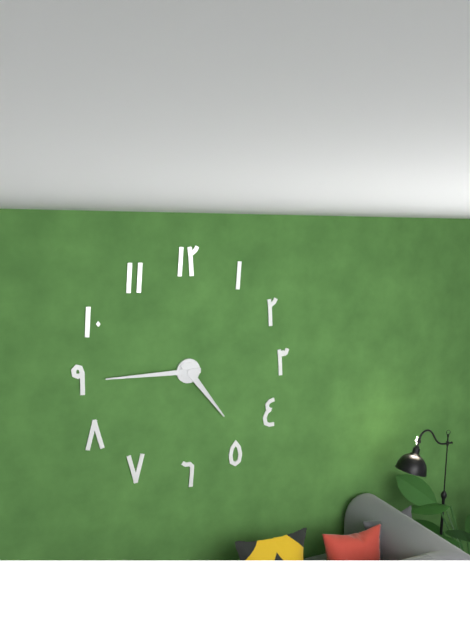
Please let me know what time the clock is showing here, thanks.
4:45
